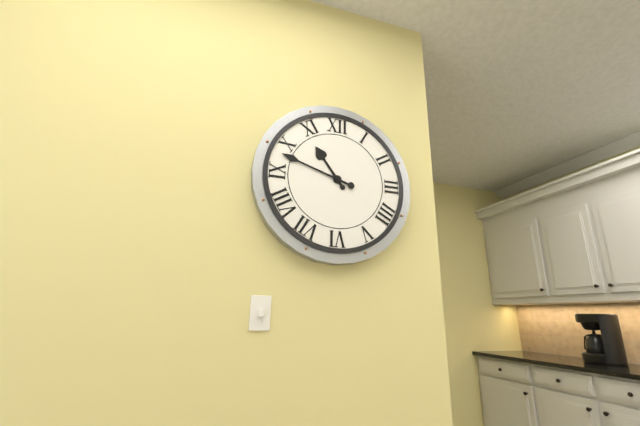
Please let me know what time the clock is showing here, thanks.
10:48
